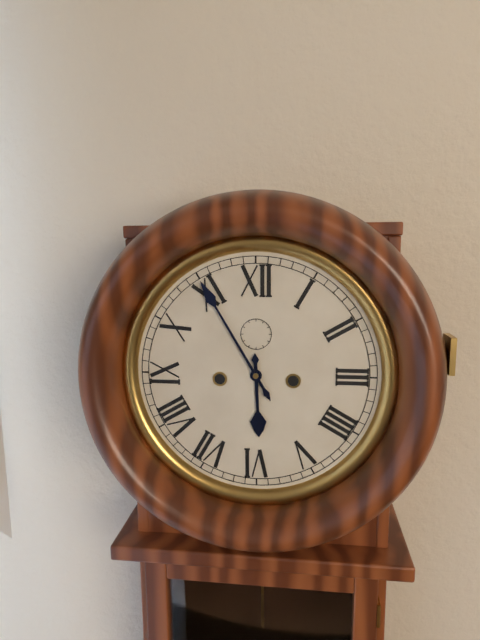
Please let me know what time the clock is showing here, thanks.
5:55
